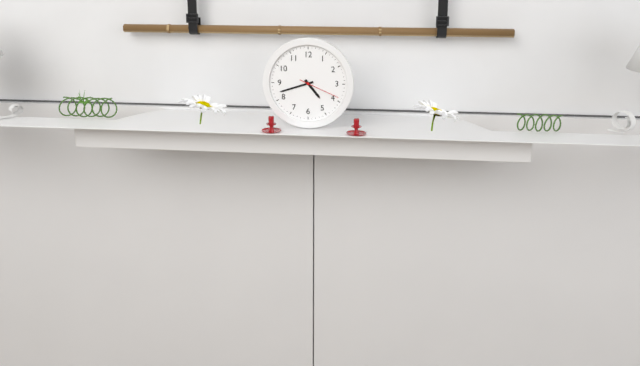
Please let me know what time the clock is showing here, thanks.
4:42
